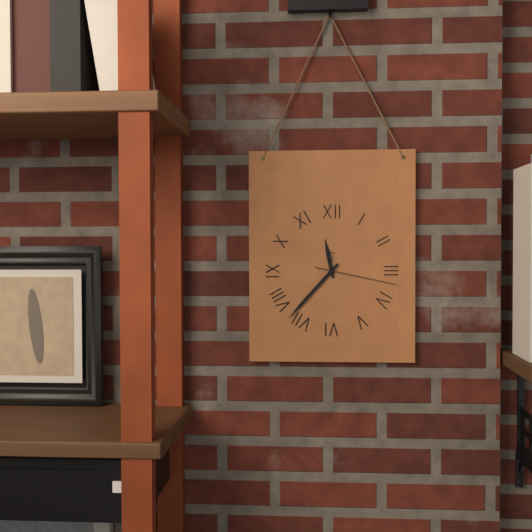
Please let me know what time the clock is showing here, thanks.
11:37:17
